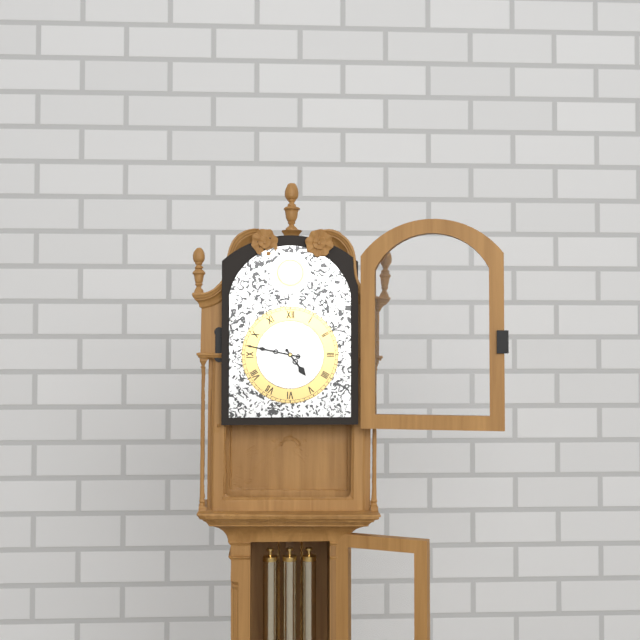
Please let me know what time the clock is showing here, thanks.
4:47
